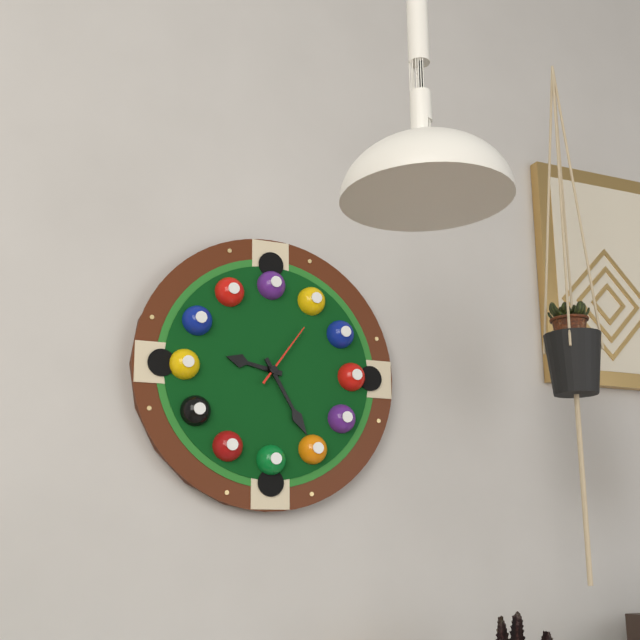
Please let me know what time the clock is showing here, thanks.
9:25:06
